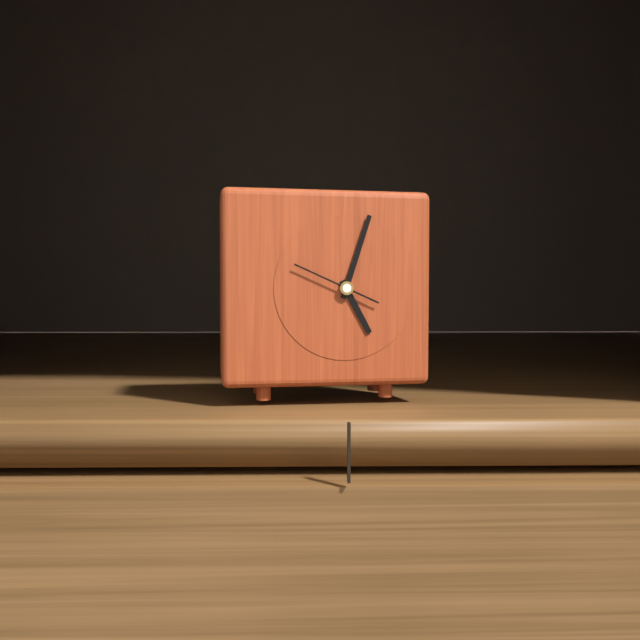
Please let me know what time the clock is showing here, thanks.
5:03:49
